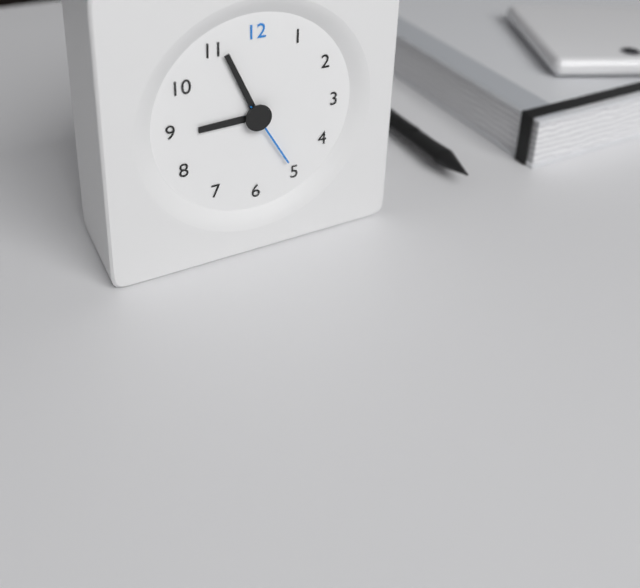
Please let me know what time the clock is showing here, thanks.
8:56:25
